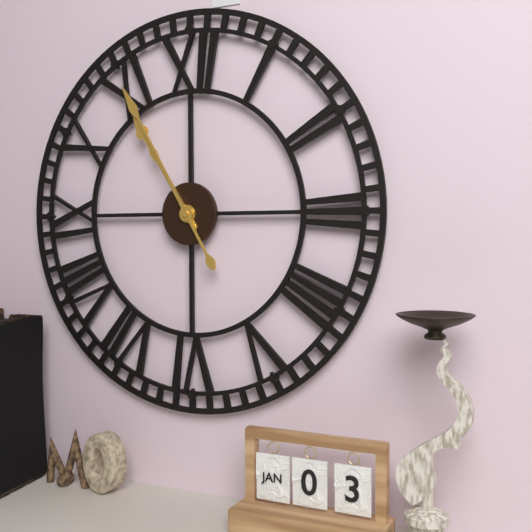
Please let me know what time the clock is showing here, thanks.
10:55
